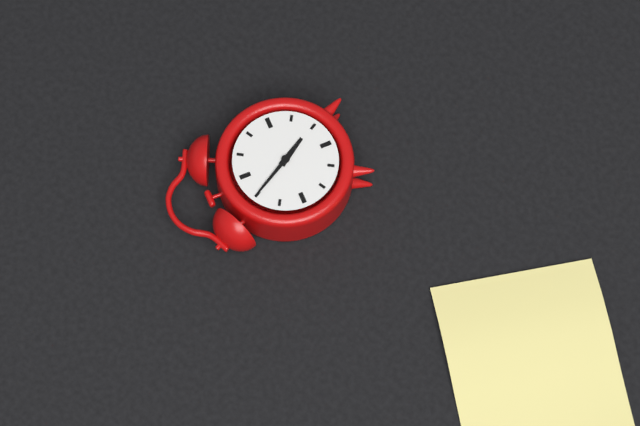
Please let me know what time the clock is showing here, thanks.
4:55
